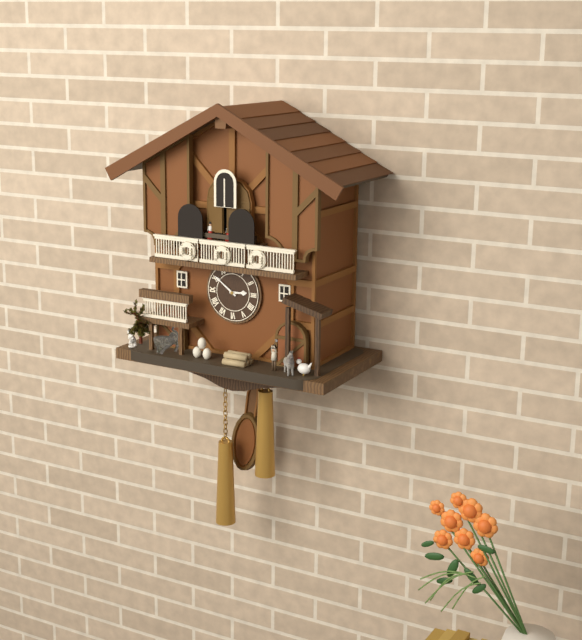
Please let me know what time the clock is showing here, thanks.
2:51
